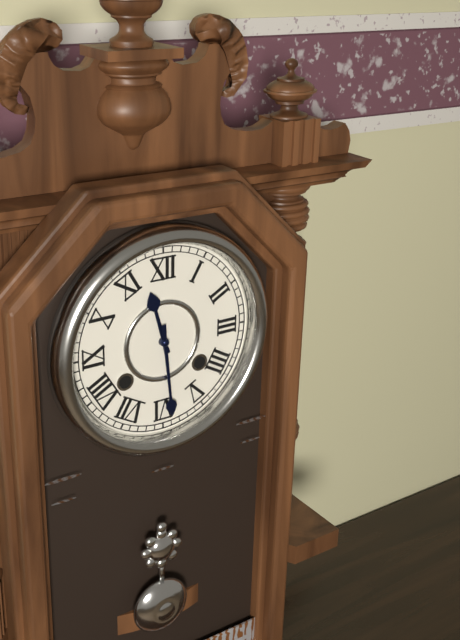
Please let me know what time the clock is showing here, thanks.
11:29
